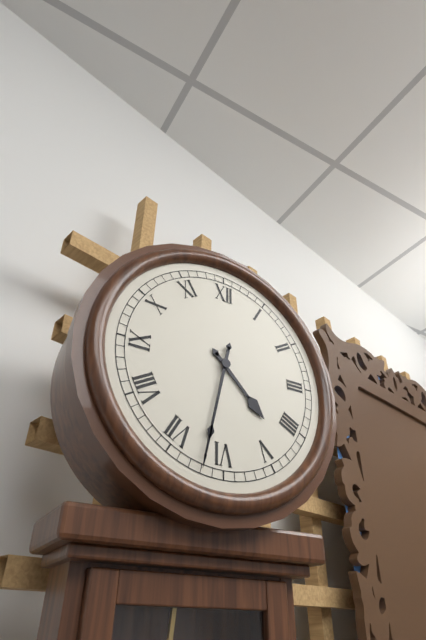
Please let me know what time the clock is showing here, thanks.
4:32
